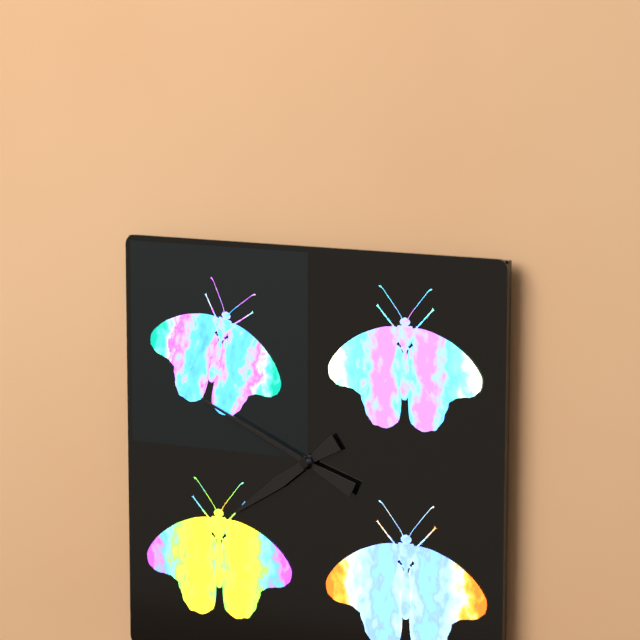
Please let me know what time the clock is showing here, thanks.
7:49
